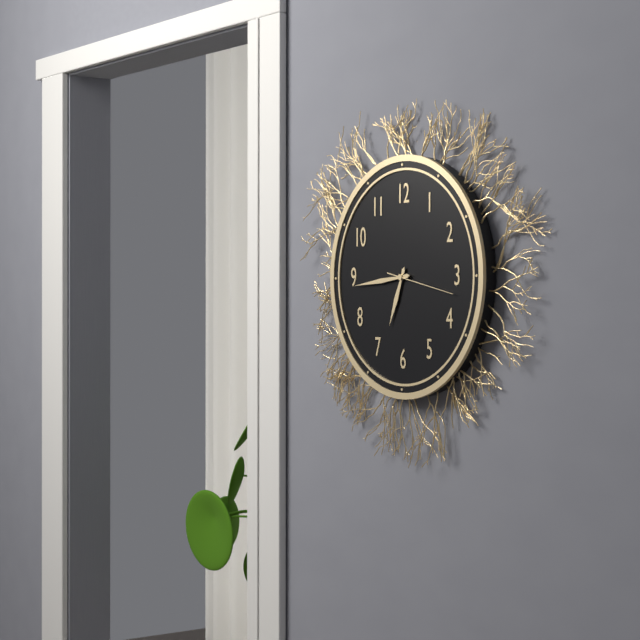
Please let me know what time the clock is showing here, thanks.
6:44:17
